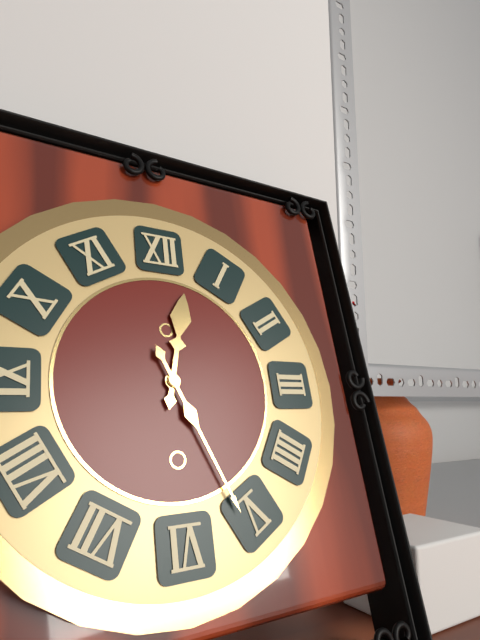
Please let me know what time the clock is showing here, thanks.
12:26
